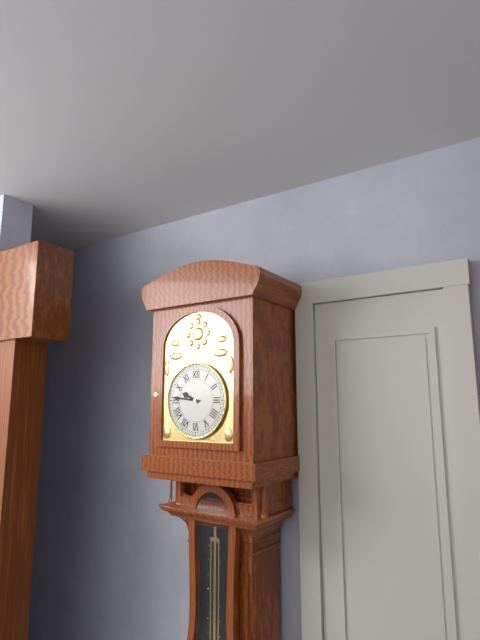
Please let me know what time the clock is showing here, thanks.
9:46
